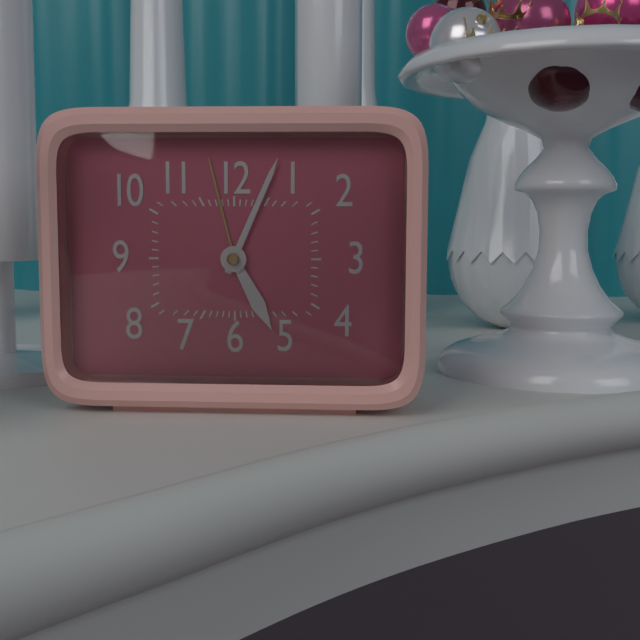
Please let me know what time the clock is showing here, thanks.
5:04
